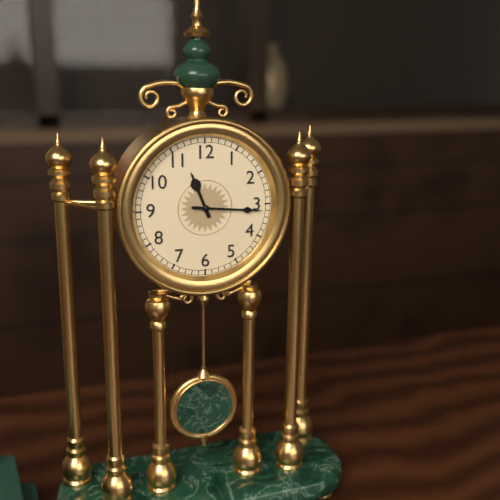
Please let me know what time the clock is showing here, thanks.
11:16
